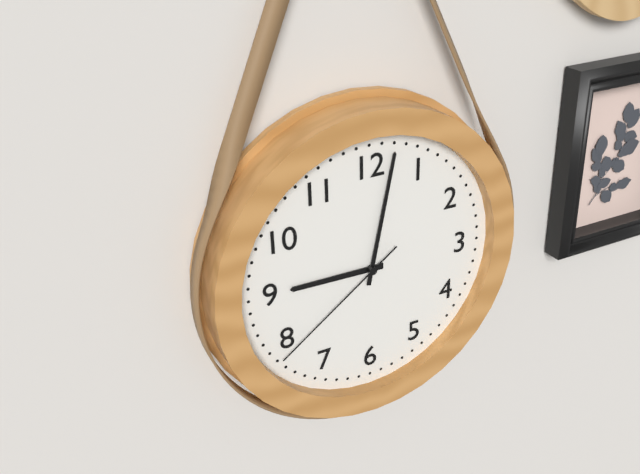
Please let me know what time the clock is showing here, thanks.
9:02:39
